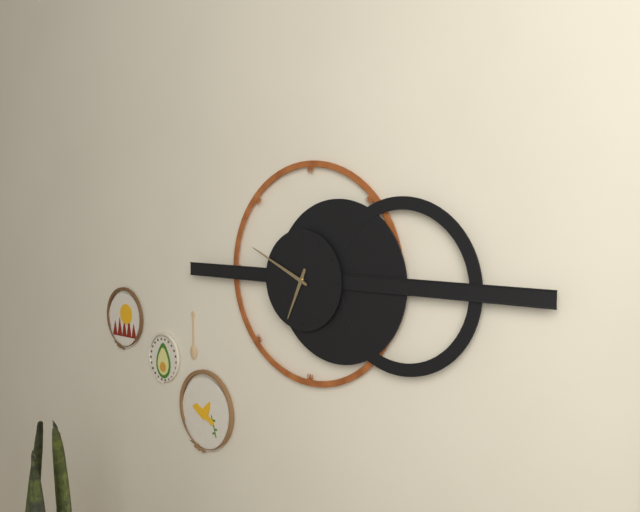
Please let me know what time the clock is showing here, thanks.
6:49
